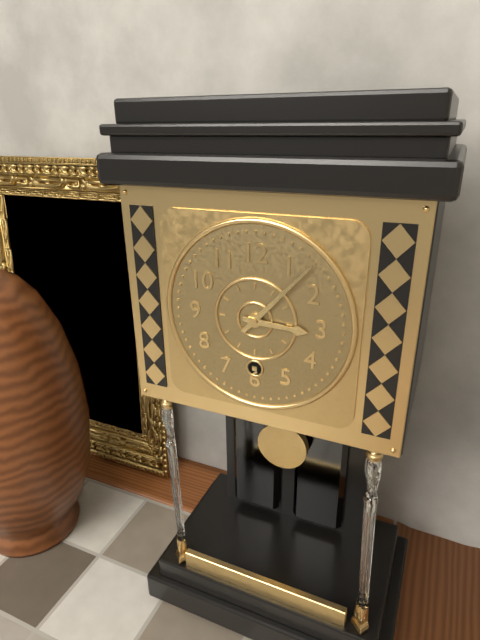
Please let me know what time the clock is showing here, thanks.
3:07
